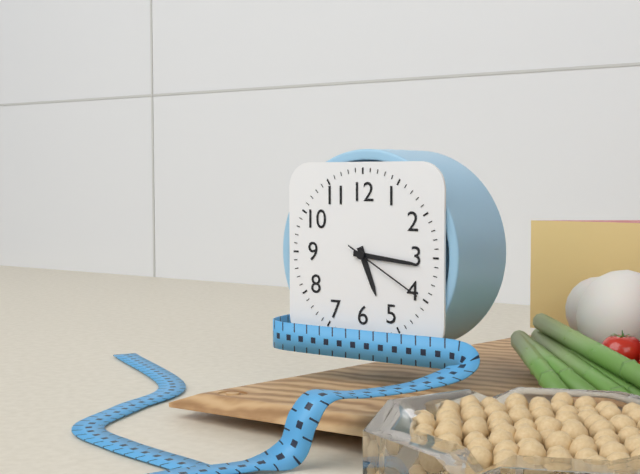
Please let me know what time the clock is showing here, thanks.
5:16:20
